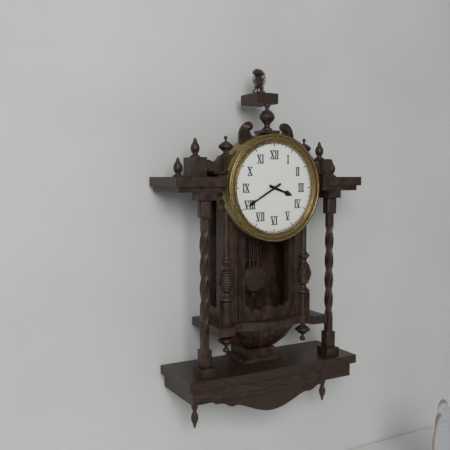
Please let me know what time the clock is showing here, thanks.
3:40
